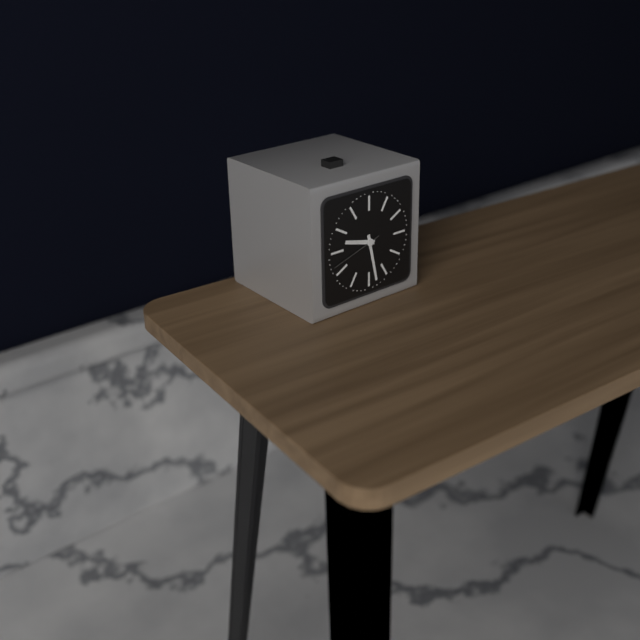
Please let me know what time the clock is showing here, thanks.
9:28:42
